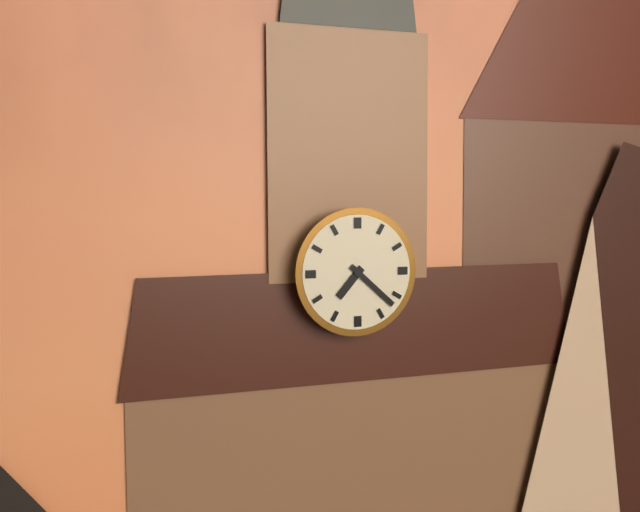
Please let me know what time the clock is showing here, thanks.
7:22
